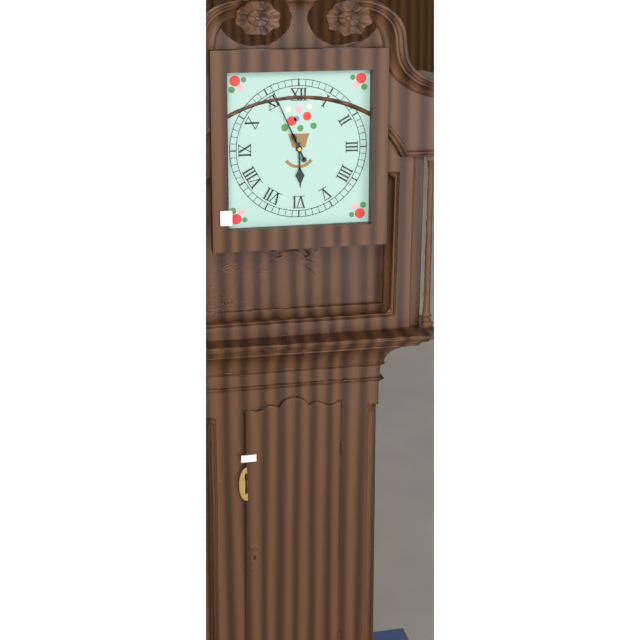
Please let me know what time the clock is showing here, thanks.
5:56
